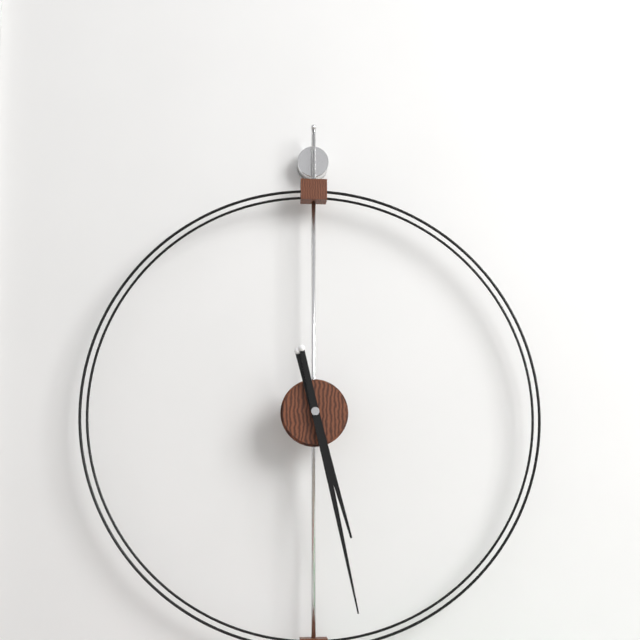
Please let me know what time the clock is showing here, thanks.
5:28
